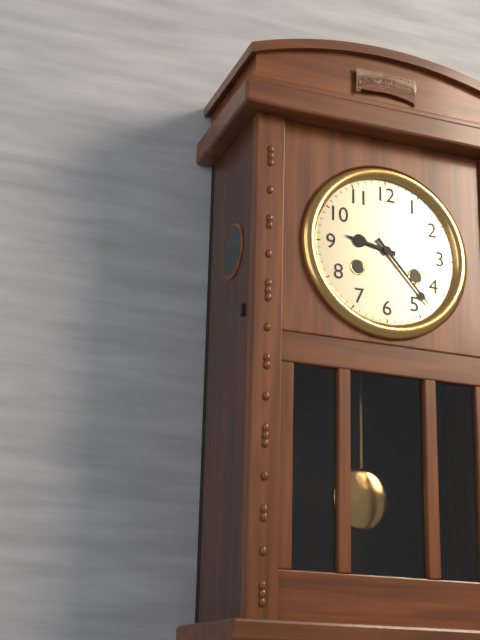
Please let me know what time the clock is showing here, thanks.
9:23
